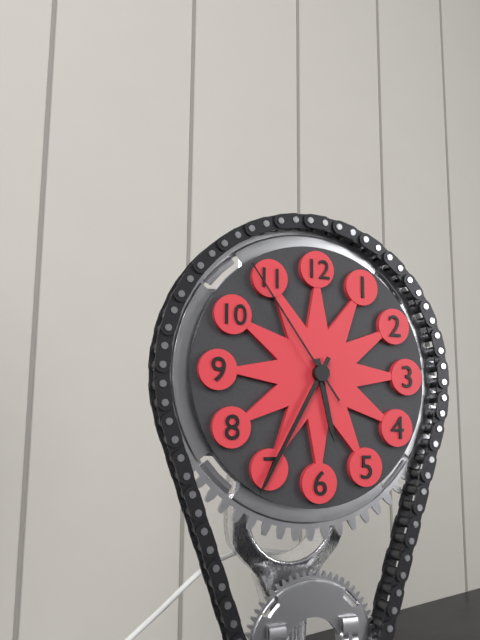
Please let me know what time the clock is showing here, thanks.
5:35:54
